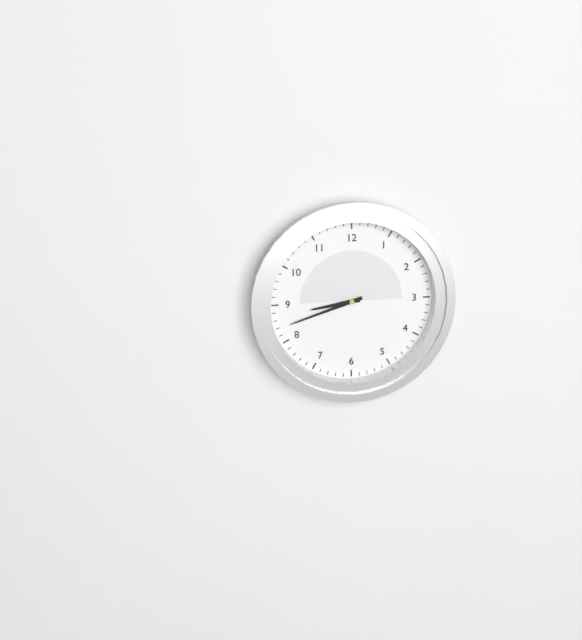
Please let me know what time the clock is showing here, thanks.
8:42
